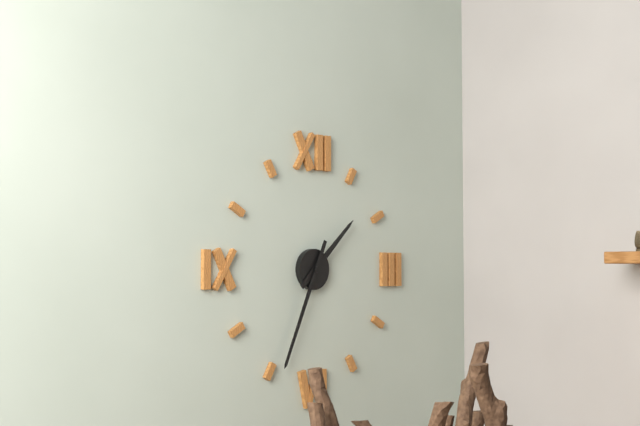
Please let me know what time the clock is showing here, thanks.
1:34
